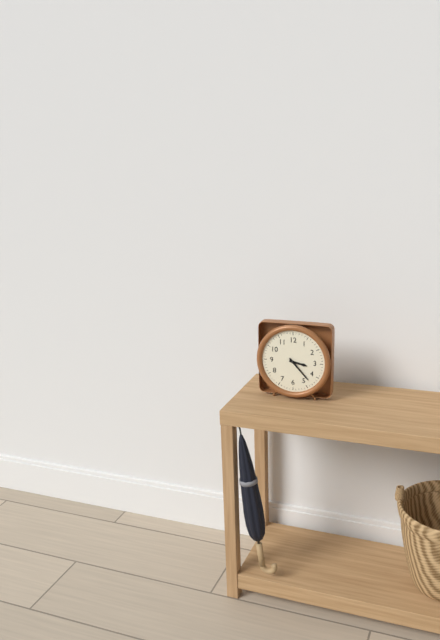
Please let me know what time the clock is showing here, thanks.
3:23
